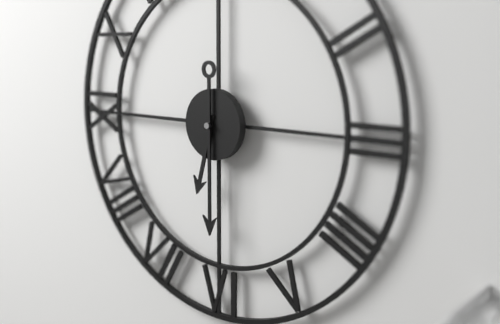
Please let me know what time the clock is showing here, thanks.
6:30
